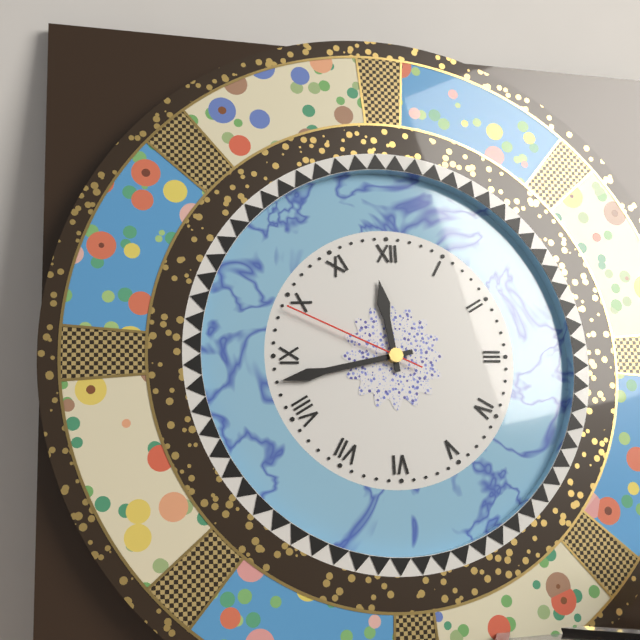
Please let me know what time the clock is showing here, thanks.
11:43:49
